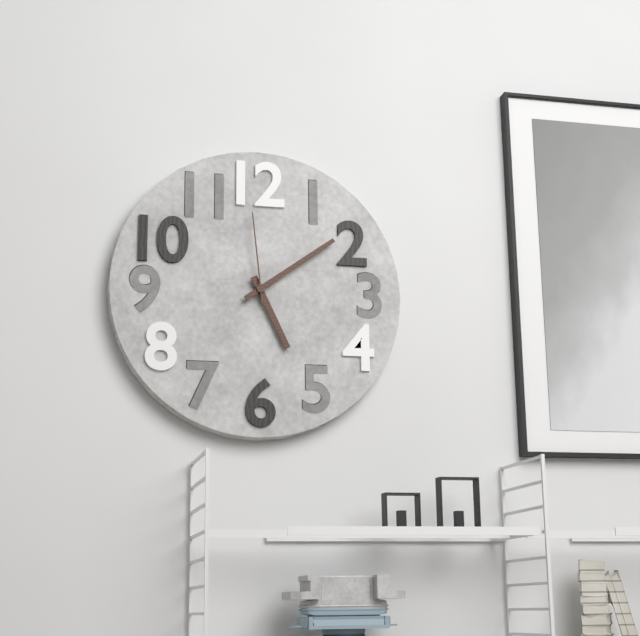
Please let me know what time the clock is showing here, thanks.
5:09:59
